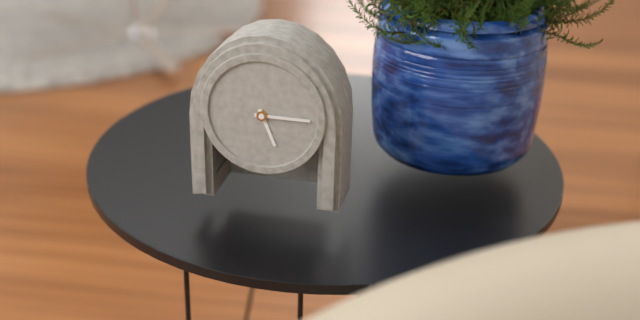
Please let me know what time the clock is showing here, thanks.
5:15
